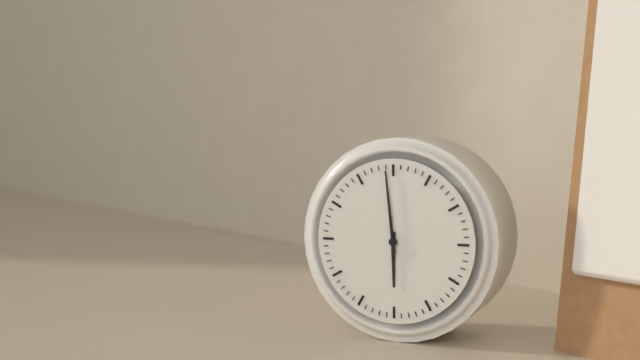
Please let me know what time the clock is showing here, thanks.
5:59
